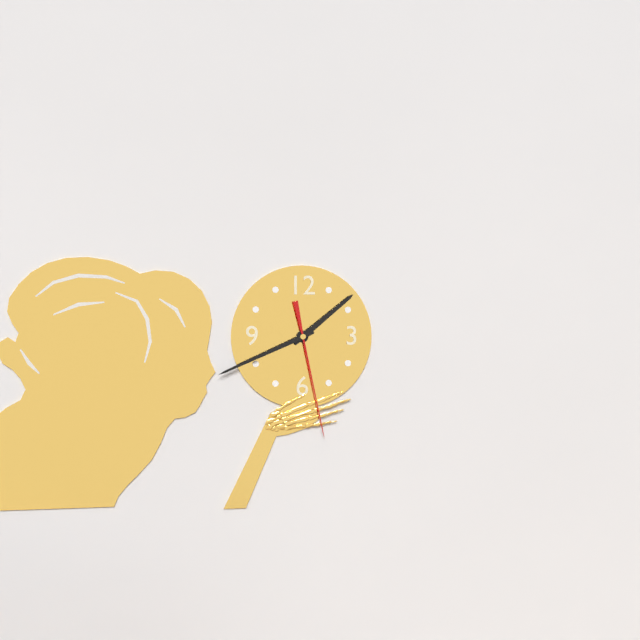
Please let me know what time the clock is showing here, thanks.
1:41:28
